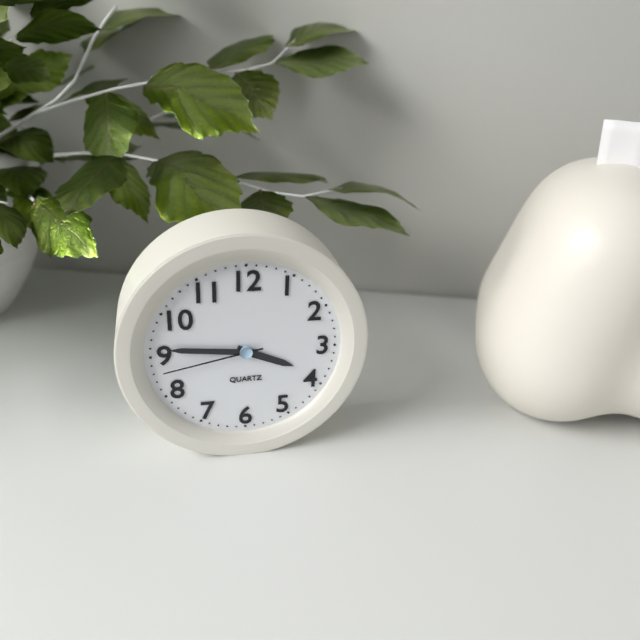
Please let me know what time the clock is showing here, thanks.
3:46:43
